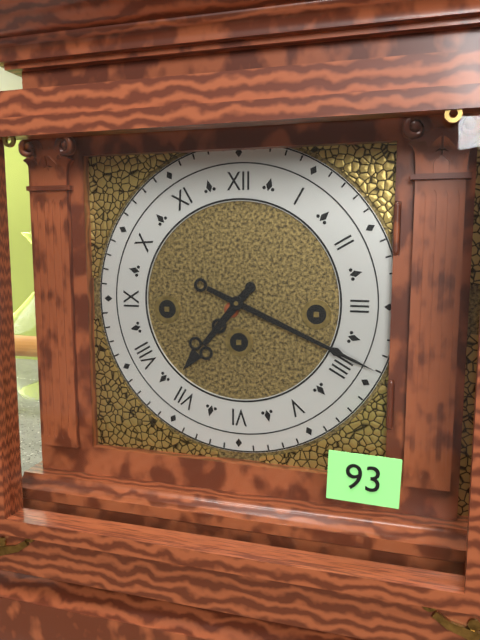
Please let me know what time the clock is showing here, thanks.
7:19
